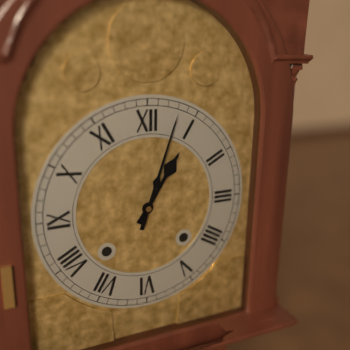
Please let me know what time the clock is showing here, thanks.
1:03
